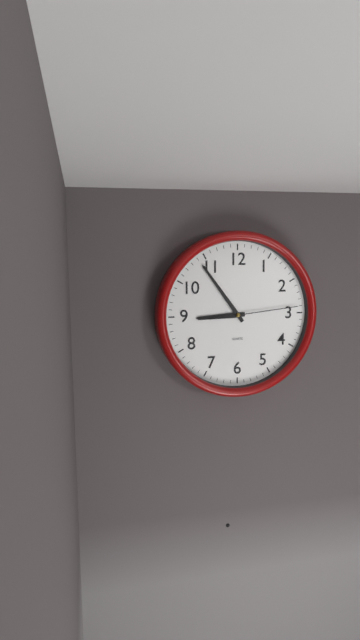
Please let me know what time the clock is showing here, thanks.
8:54:14
